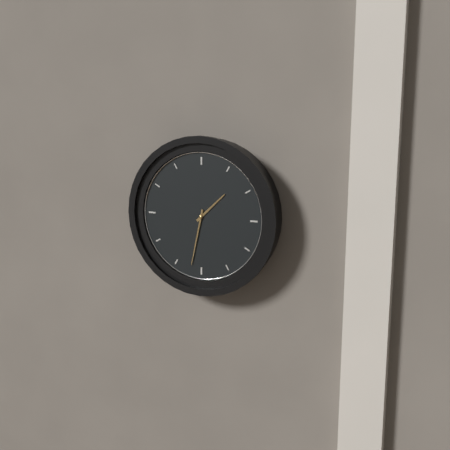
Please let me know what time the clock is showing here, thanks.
1:32
